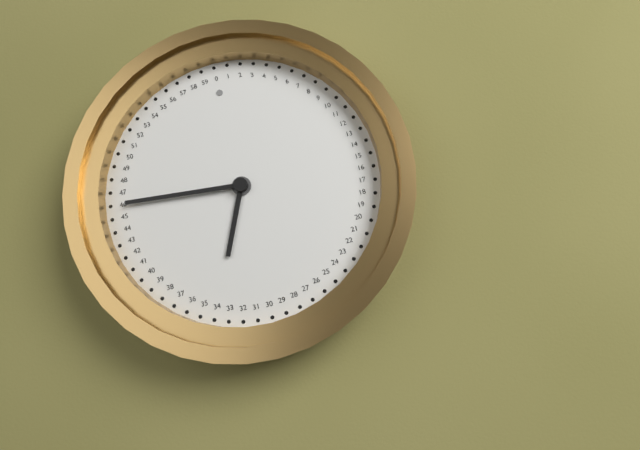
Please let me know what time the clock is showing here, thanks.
6:46
